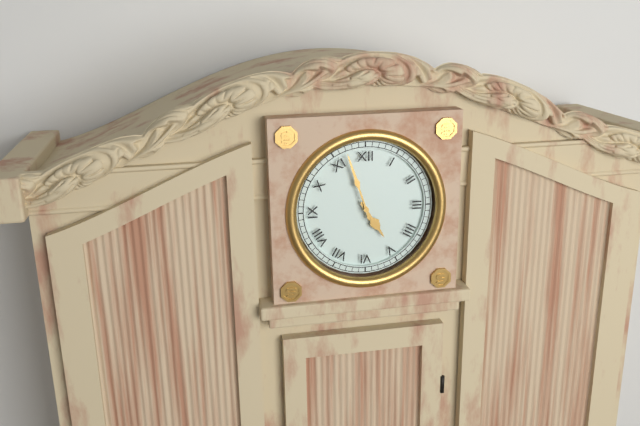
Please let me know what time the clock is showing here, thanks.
4:57
